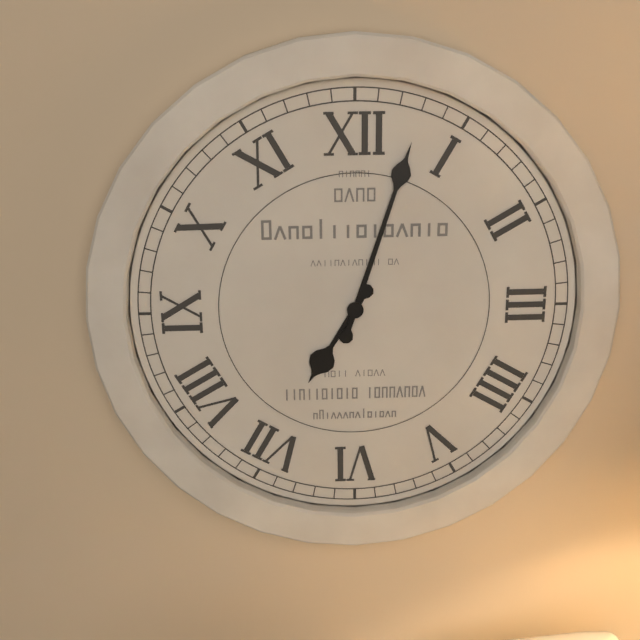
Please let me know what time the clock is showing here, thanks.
7:03
